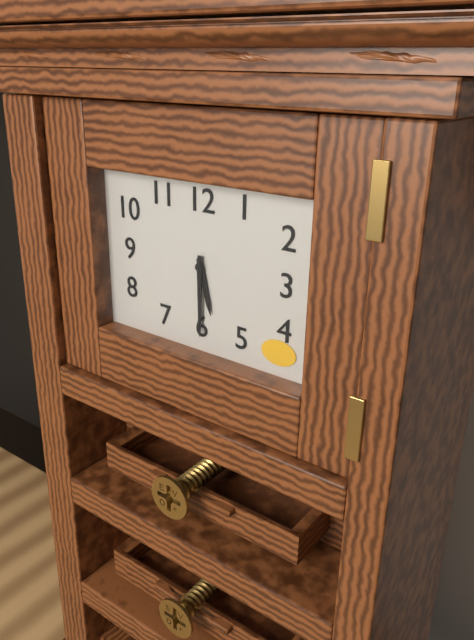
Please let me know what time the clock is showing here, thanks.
5:30
